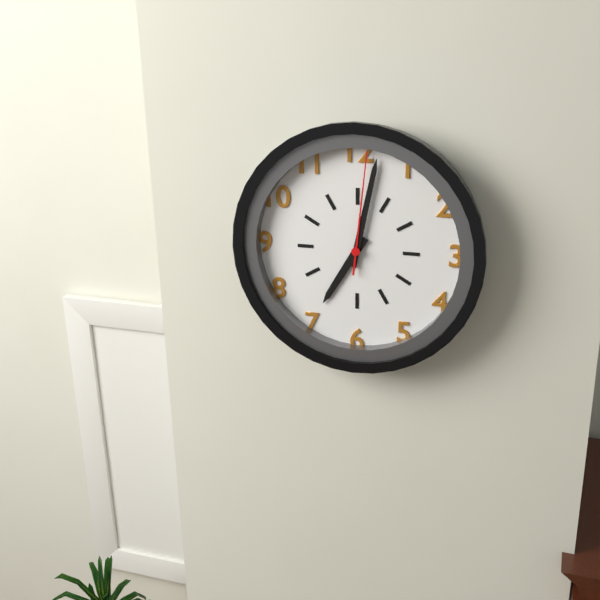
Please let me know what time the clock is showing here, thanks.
7:02:01
